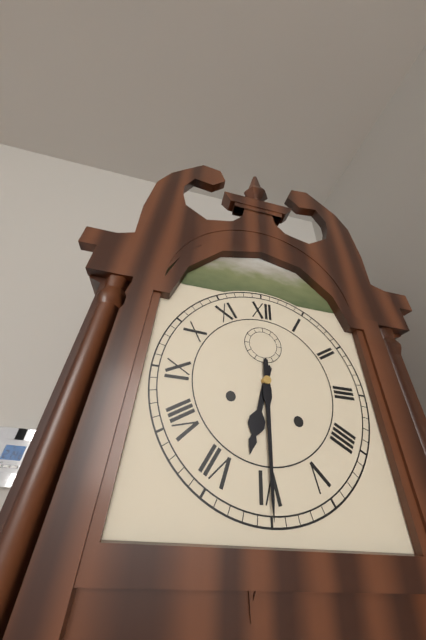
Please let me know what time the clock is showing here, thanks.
6:30
